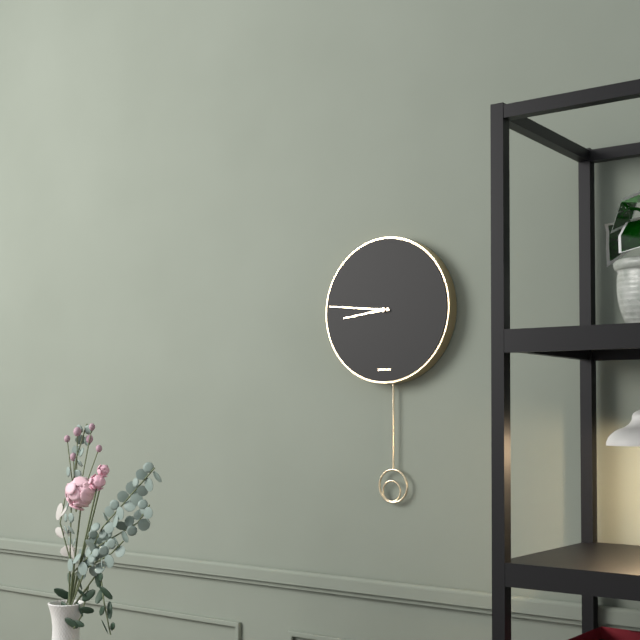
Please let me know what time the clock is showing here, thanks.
8:46
